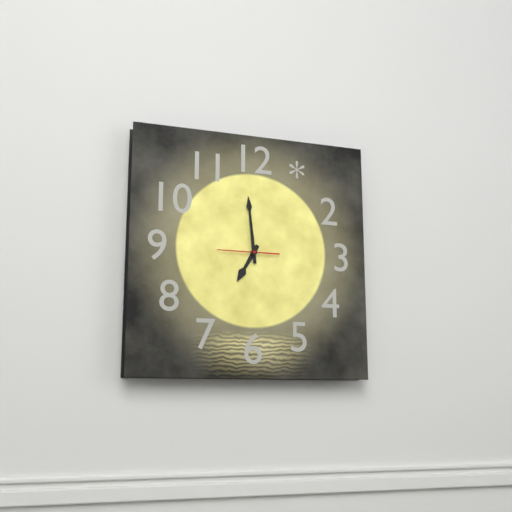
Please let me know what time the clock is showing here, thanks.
6:59
